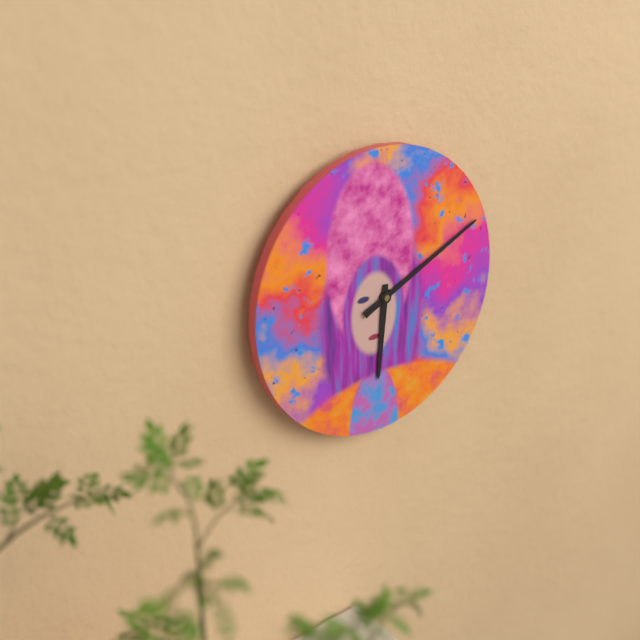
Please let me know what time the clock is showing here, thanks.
6:11
